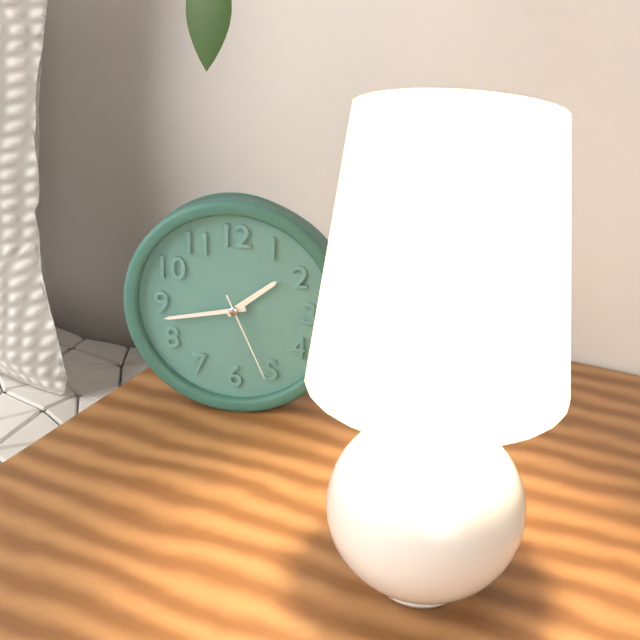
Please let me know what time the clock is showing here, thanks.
1:43:26
